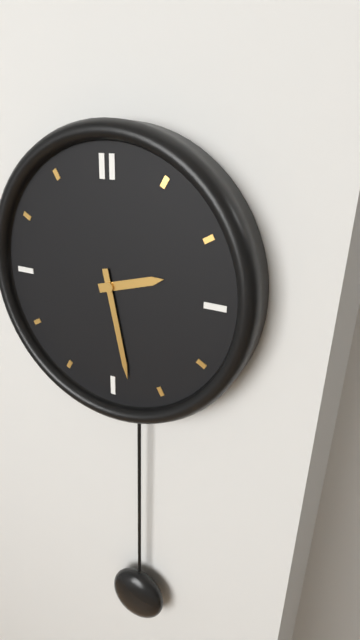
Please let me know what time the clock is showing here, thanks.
2:28
